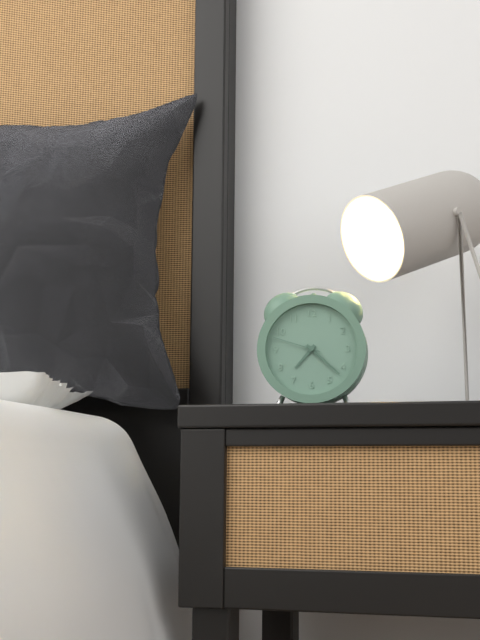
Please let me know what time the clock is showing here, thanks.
7:22:48
